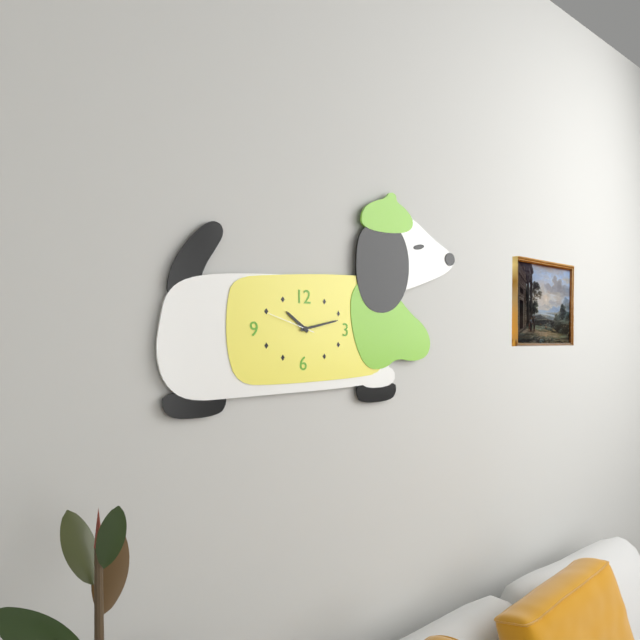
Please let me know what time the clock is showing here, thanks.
10:13:48
